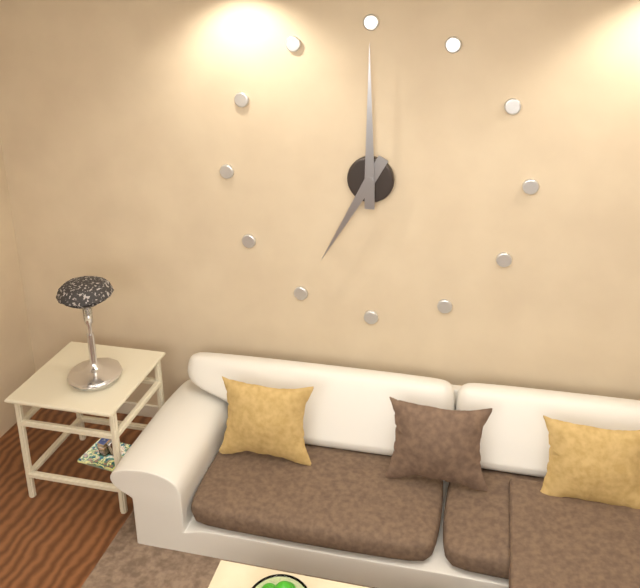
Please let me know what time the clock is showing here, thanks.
7:00
